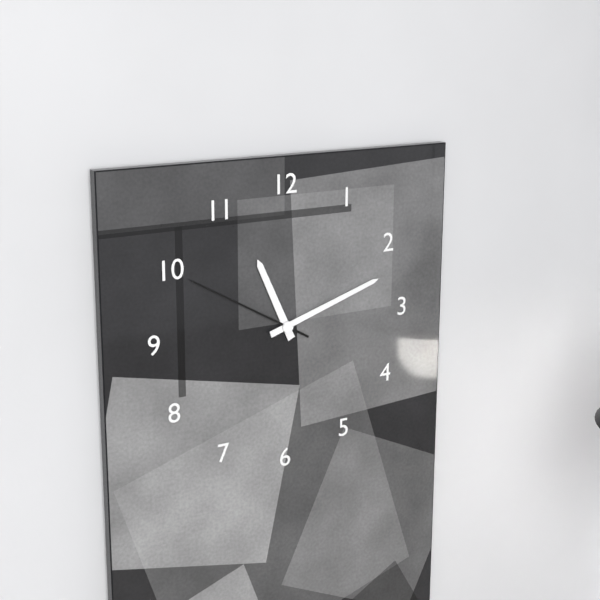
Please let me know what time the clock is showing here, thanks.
11:12:50
